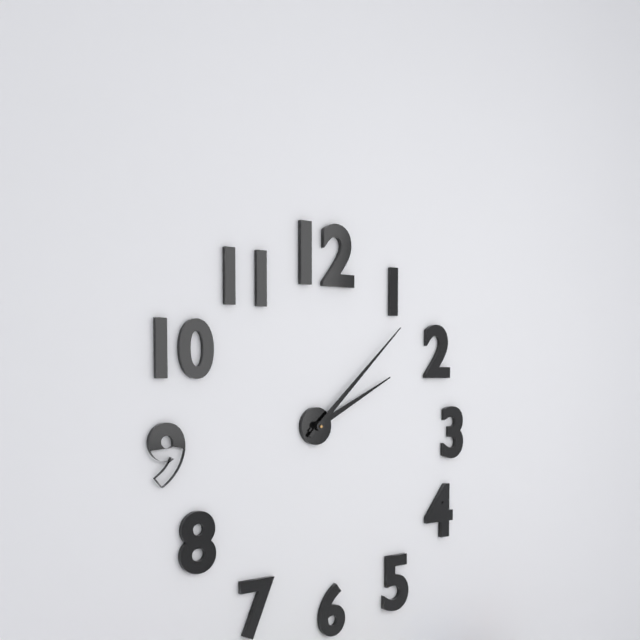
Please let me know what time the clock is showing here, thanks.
2:08
